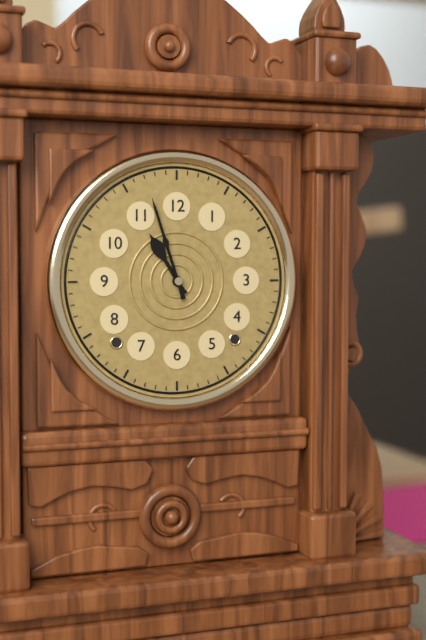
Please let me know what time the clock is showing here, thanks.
10:57
